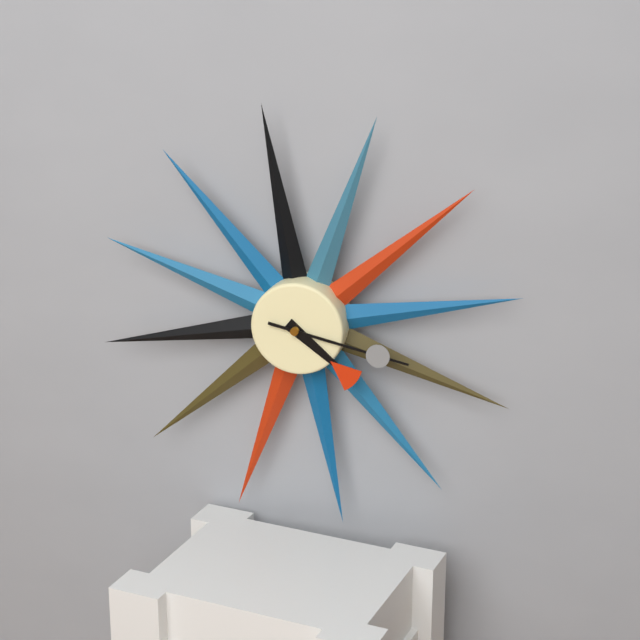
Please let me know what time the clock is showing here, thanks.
4:17
